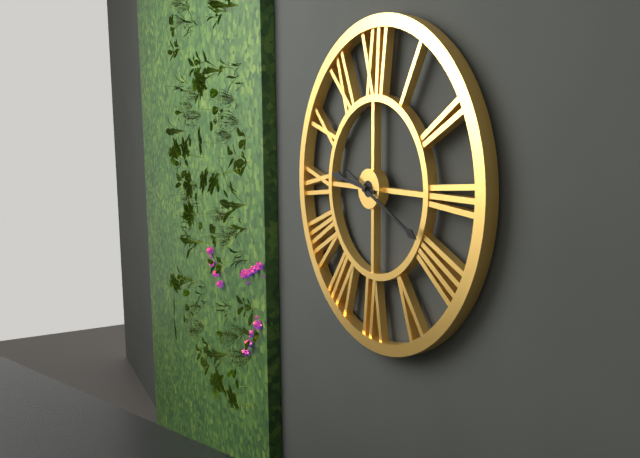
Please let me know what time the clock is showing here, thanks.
9:19
